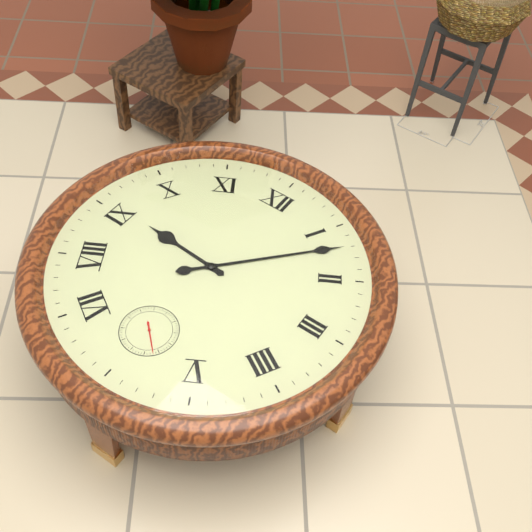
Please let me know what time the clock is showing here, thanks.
9:07
